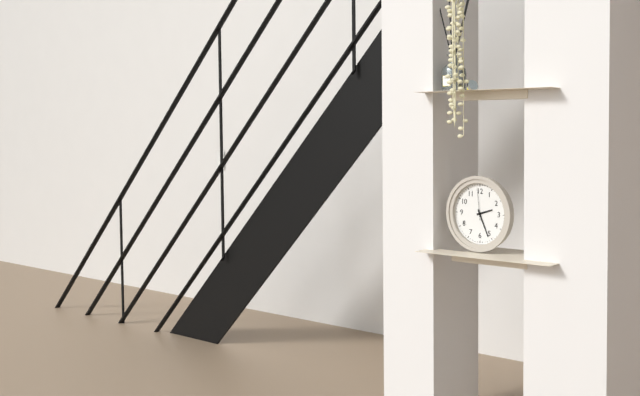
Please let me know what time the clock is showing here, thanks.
2:26
